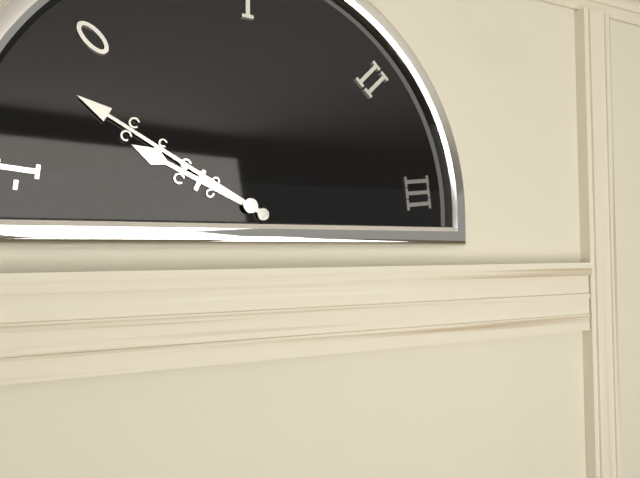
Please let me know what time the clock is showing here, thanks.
9:50
